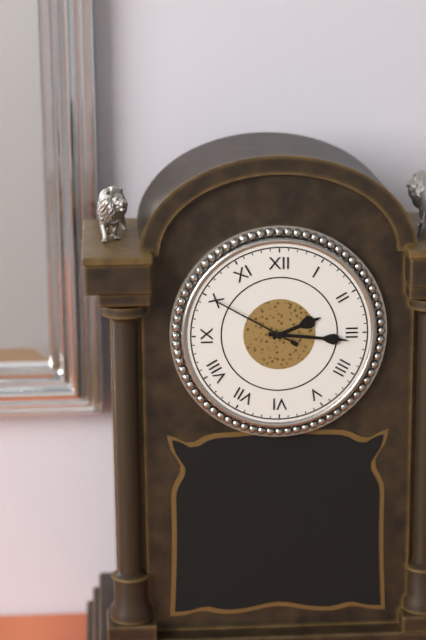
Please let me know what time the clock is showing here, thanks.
2:16:50
